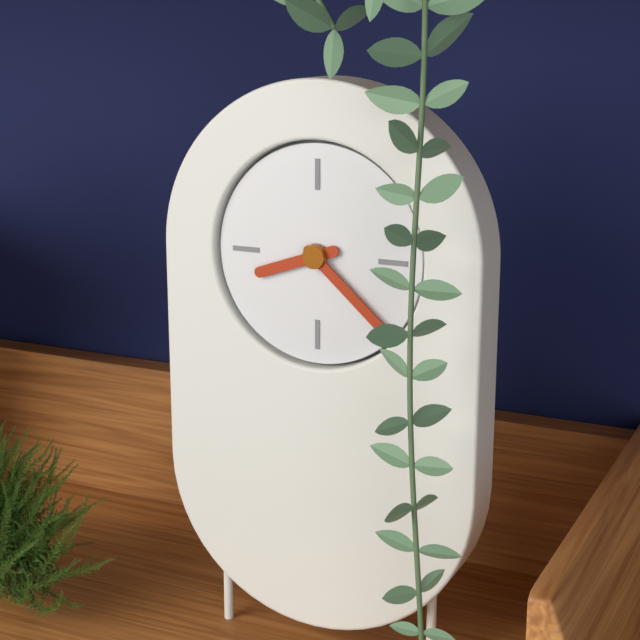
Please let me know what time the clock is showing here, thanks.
8:22
